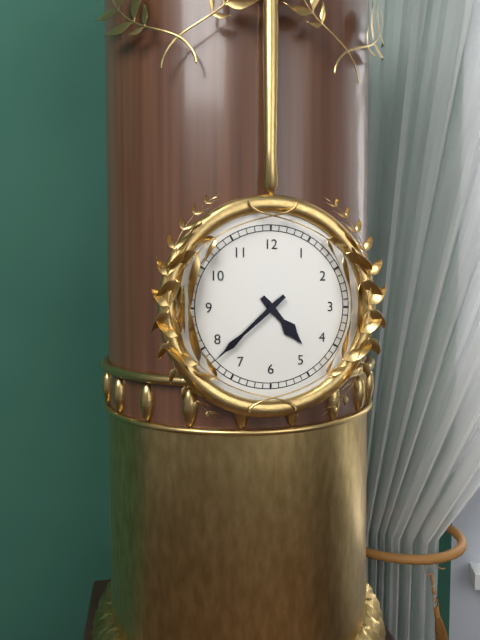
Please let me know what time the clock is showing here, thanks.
4:38
